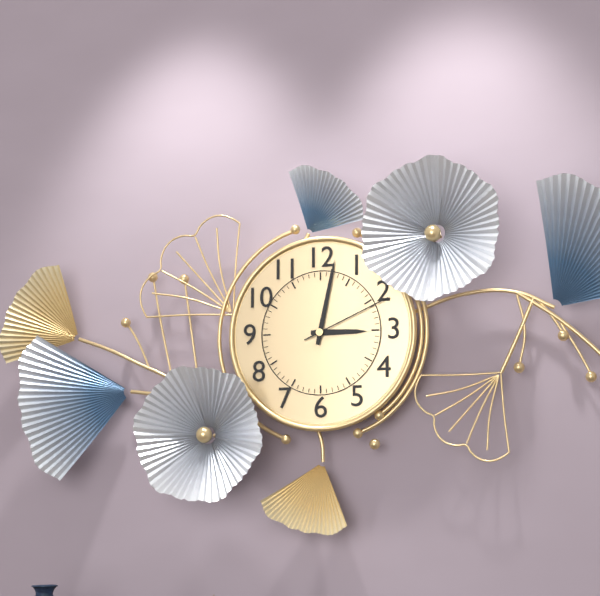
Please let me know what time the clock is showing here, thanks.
3:02:11
